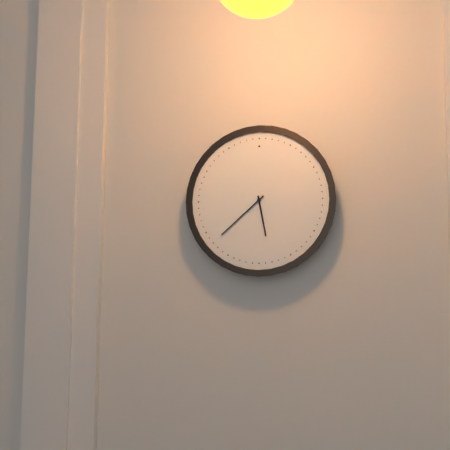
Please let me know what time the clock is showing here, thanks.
5:38
